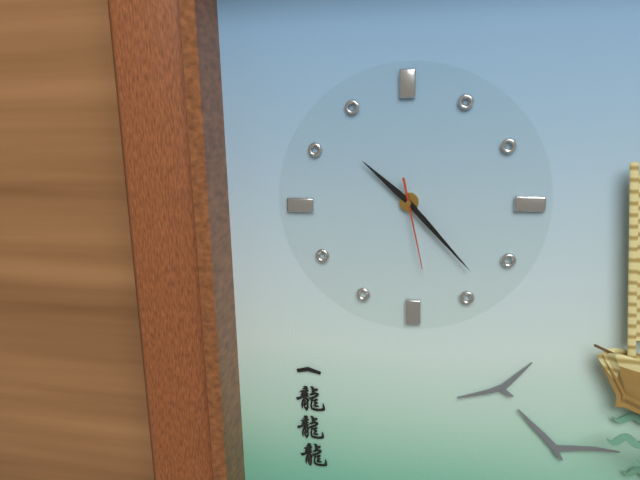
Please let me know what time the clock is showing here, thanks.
10:23:28
